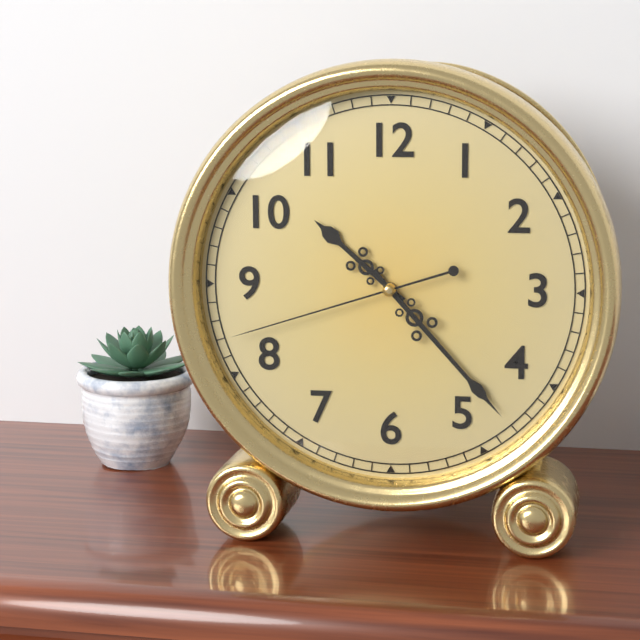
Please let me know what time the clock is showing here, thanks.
10:23:42
